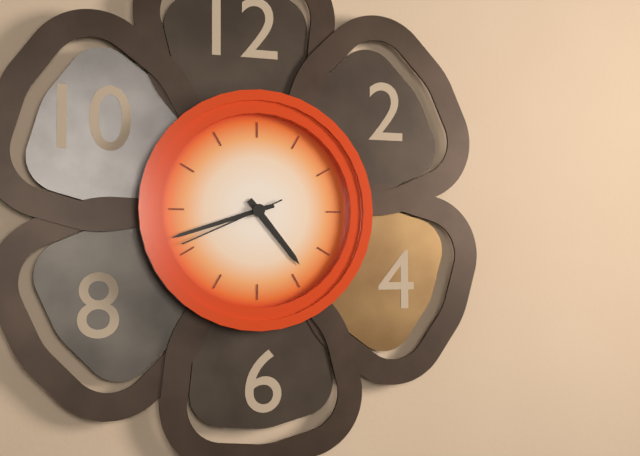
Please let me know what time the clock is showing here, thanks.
4:42:41
